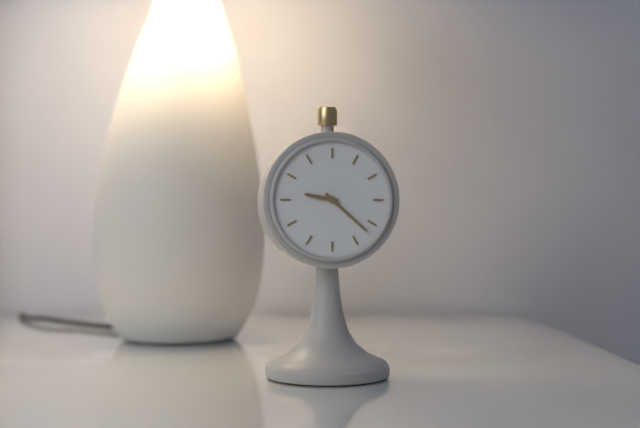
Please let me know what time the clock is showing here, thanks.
9:22
